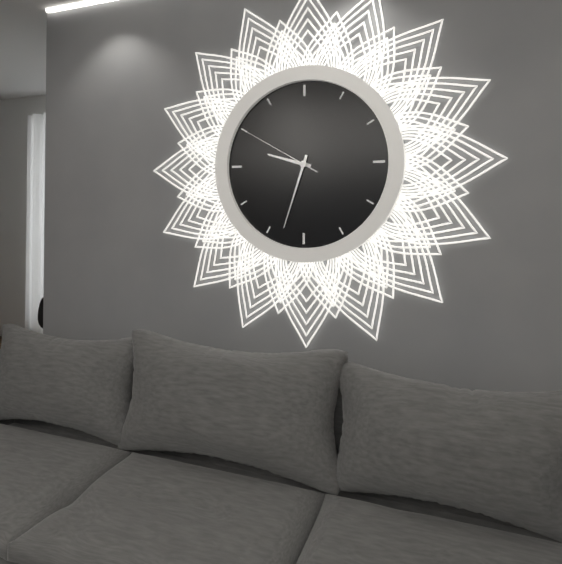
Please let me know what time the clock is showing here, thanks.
9:33:50
